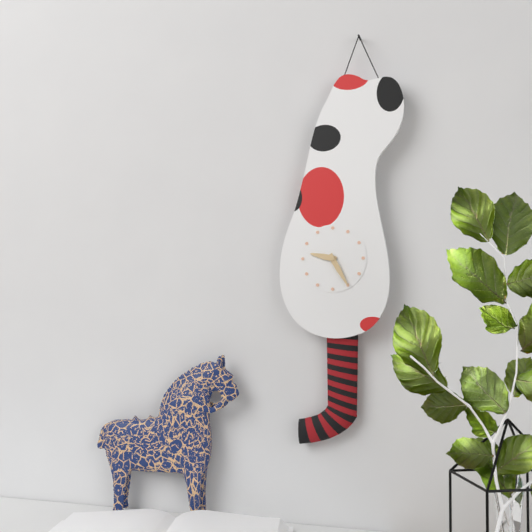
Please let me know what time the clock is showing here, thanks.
9:25
